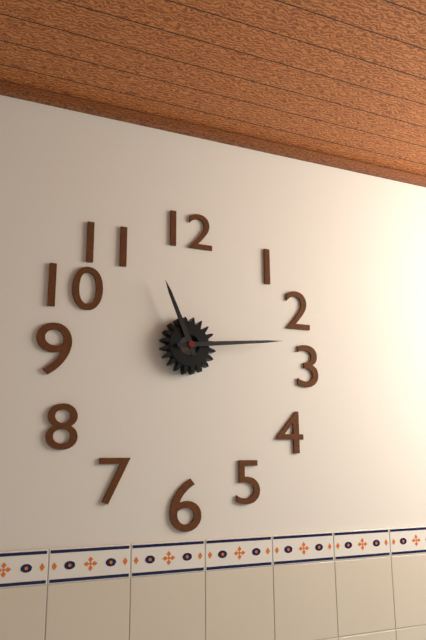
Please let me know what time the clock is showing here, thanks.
11:14
